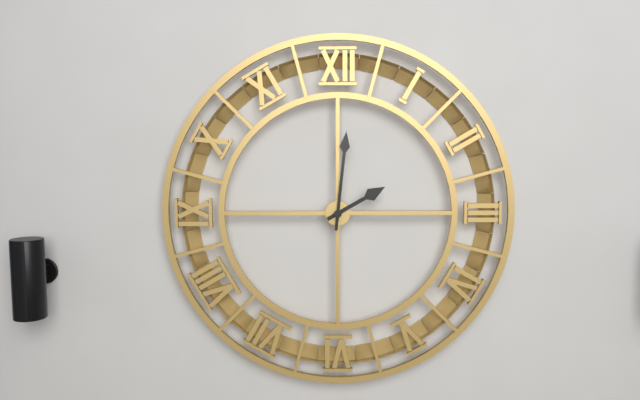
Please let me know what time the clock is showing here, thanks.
2:01
